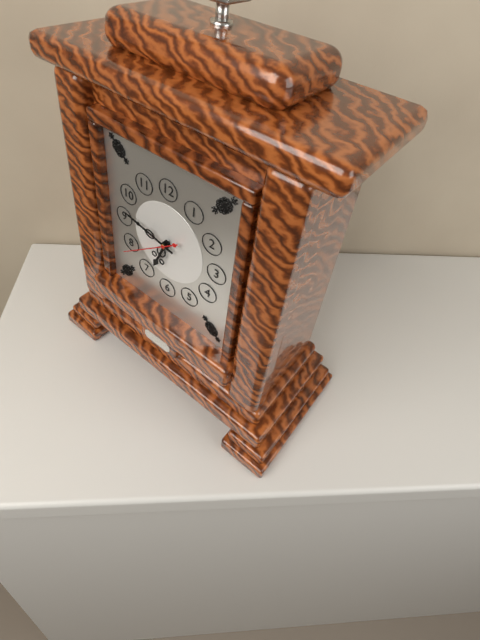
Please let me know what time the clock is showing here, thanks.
6:47
